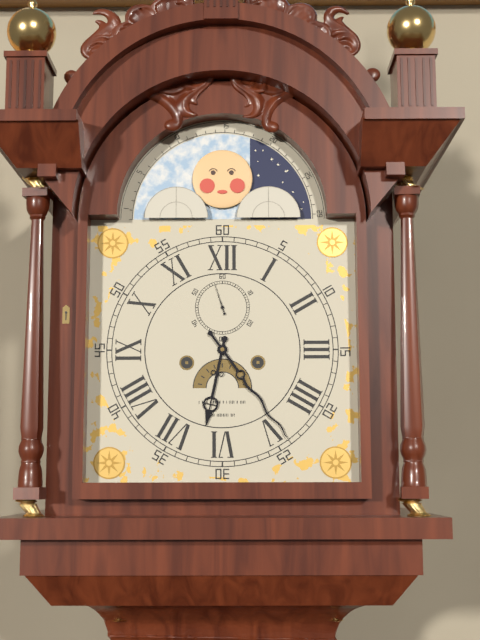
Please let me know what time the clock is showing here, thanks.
6:24
